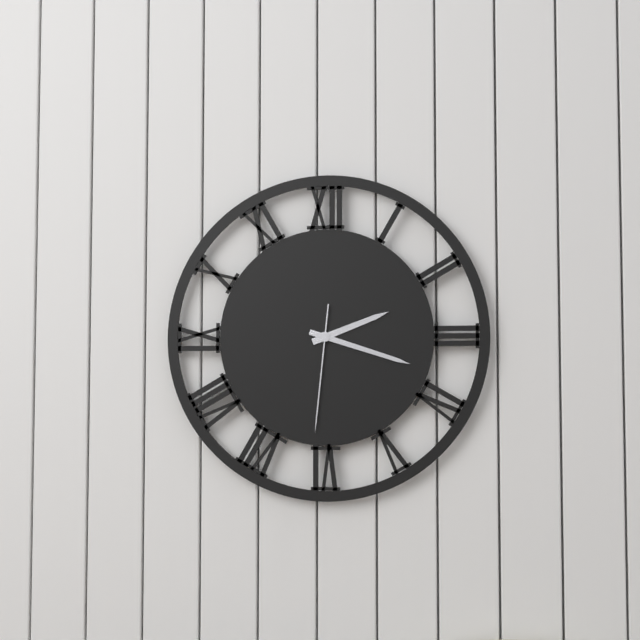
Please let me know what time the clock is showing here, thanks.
2:18:31
